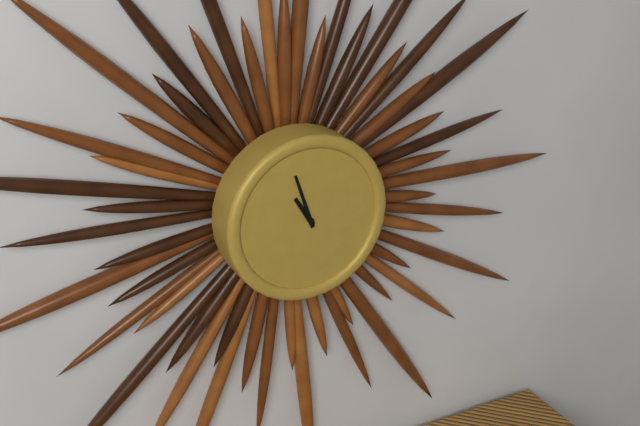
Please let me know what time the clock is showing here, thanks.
10:57
